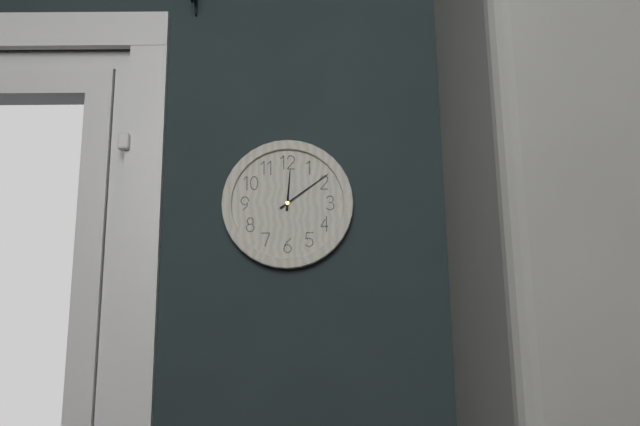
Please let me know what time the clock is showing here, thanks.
12:09
